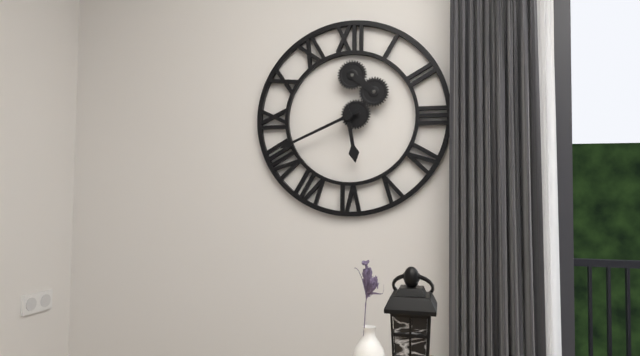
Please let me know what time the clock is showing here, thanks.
5:41
